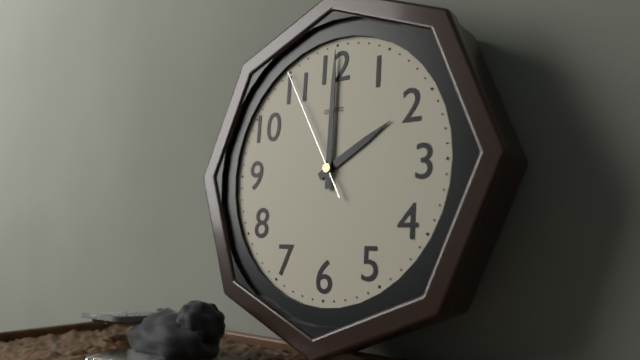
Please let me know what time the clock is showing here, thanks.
2:00:55
